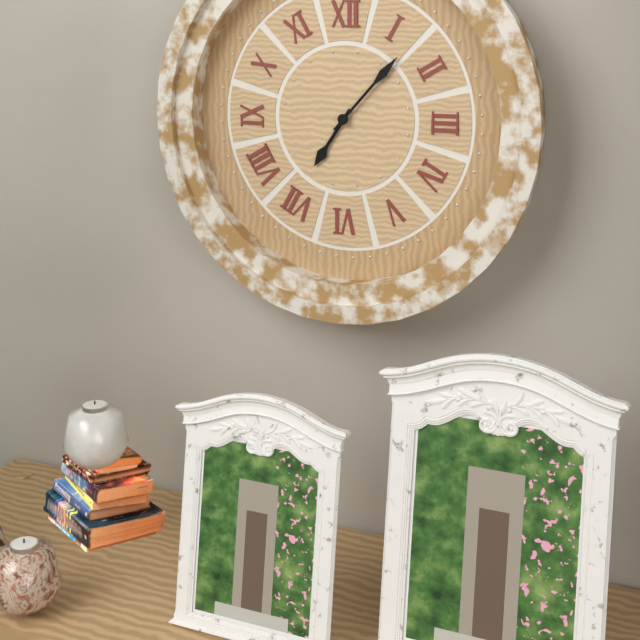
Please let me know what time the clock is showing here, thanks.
7:07
